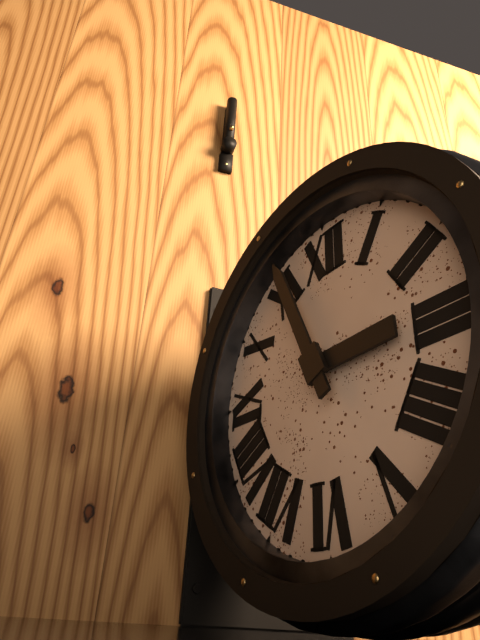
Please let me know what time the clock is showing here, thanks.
2:56
